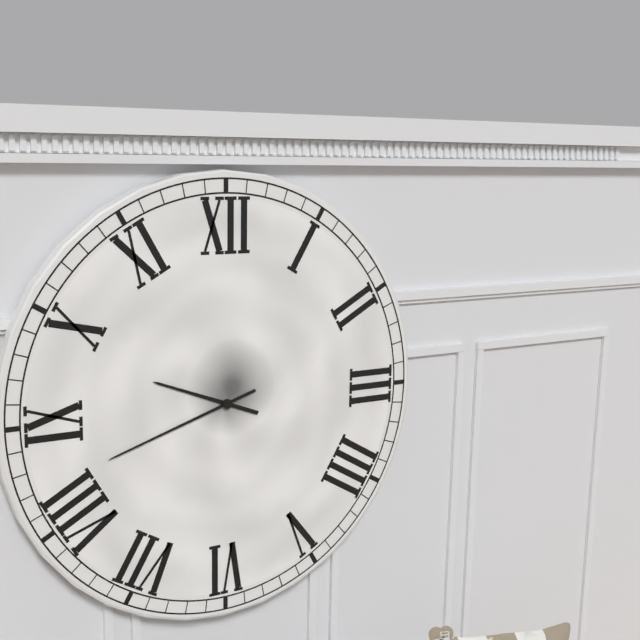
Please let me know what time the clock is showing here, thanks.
9:42
